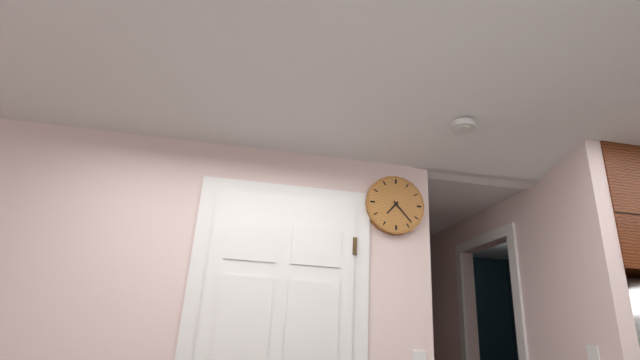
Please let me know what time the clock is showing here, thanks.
7:23
